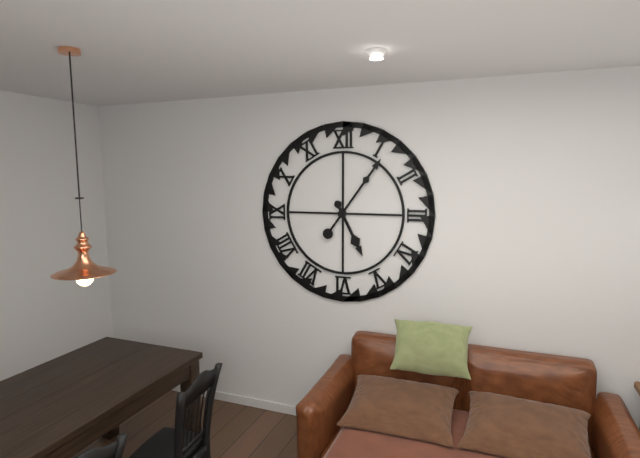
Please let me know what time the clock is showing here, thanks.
5:06
